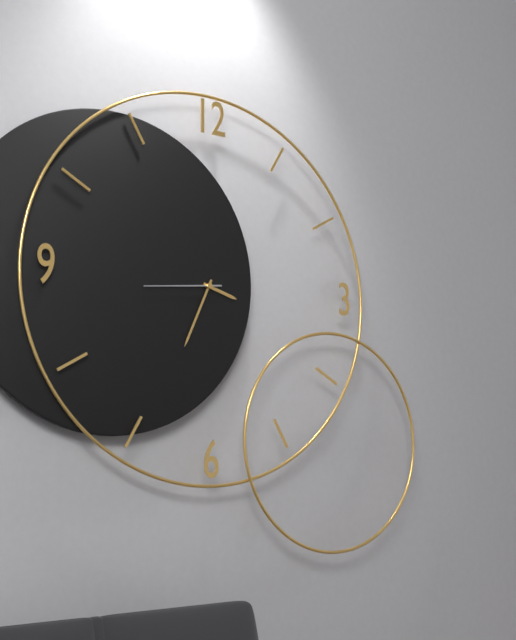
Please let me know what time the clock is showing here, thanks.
3:34:44
